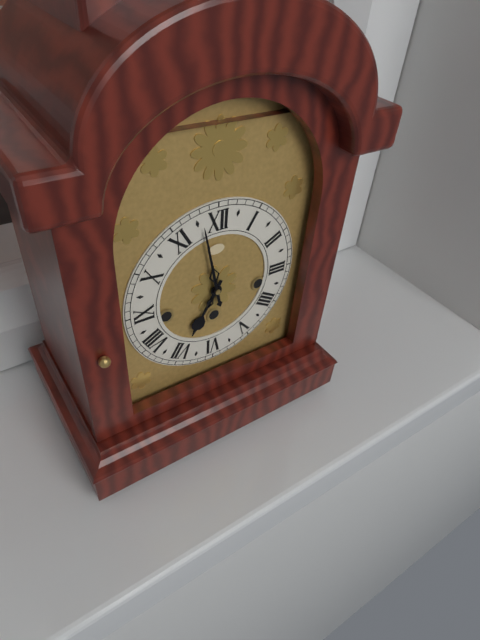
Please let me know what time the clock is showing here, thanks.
6:58
